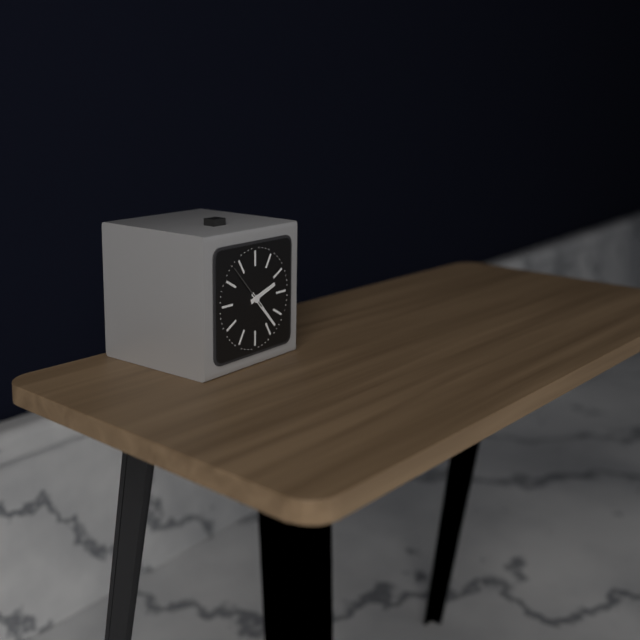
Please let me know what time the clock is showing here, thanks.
2:23
